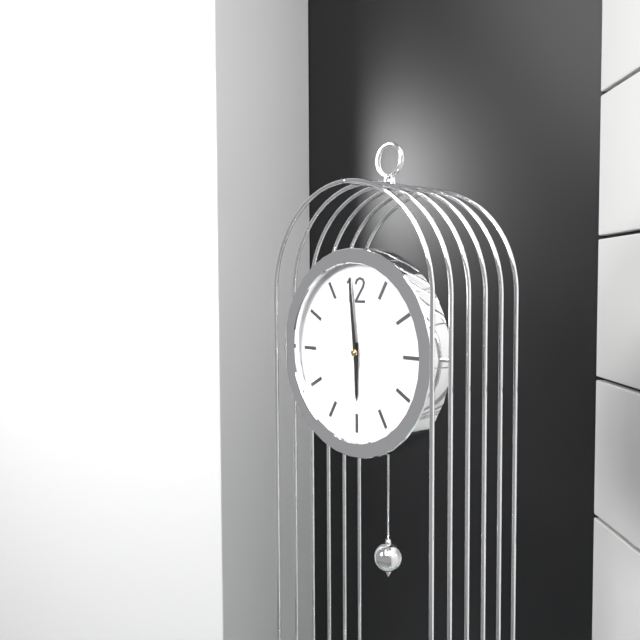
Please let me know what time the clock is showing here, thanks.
5:59
